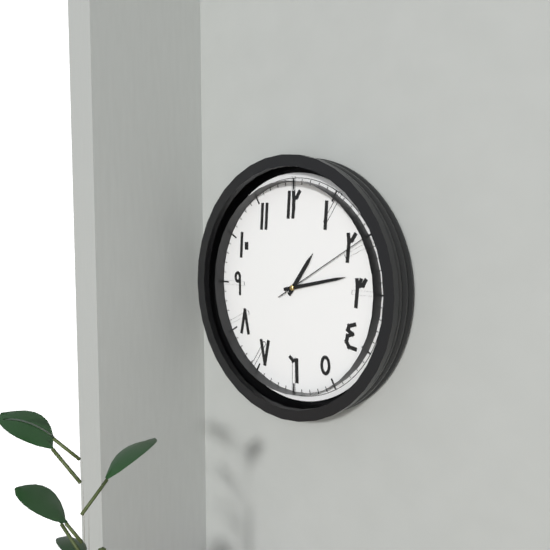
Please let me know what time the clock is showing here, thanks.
1:13:10
